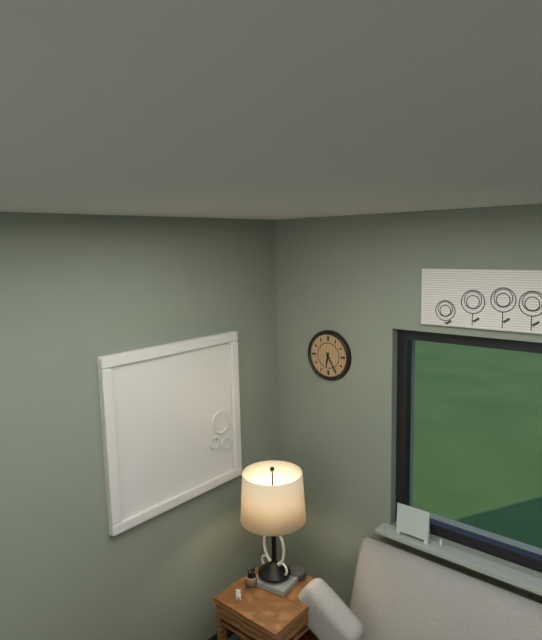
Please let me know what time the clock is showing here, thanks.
6:25
